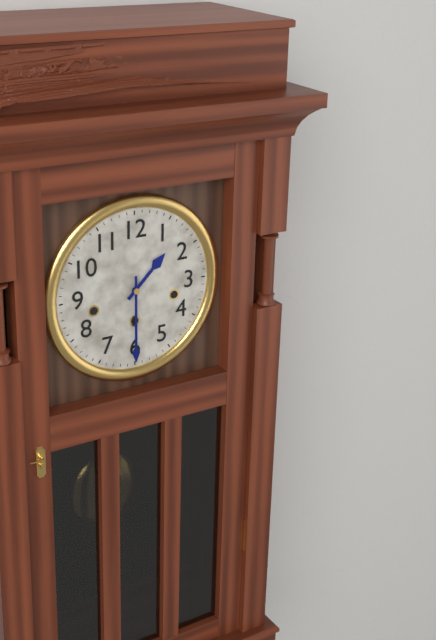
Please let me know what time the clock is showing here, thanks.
1:30
